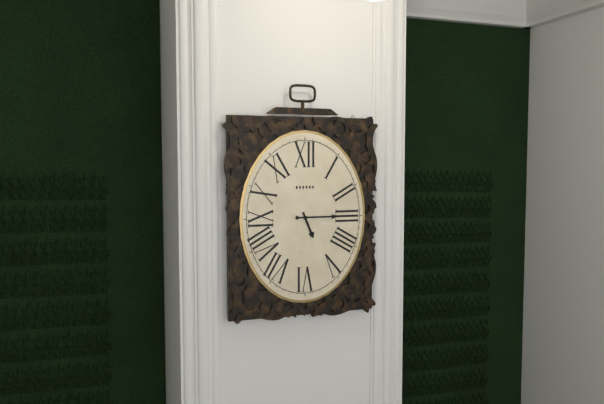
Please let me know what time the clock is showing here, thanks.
5:15
